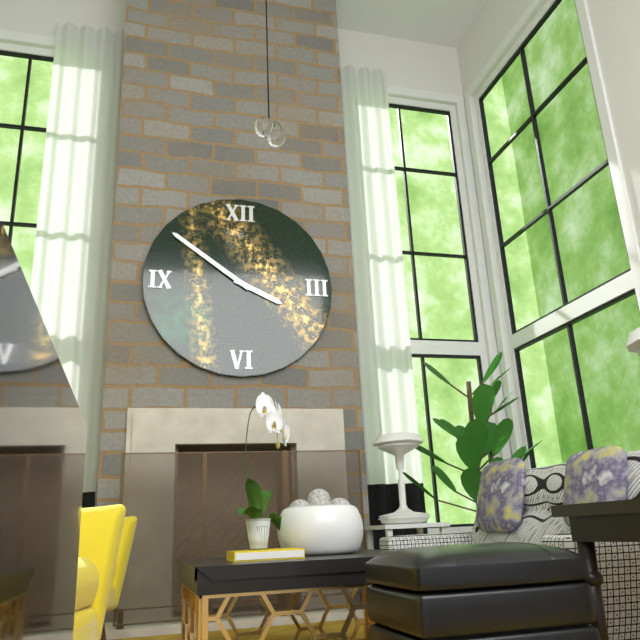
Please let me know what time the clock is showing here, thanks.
3:51
